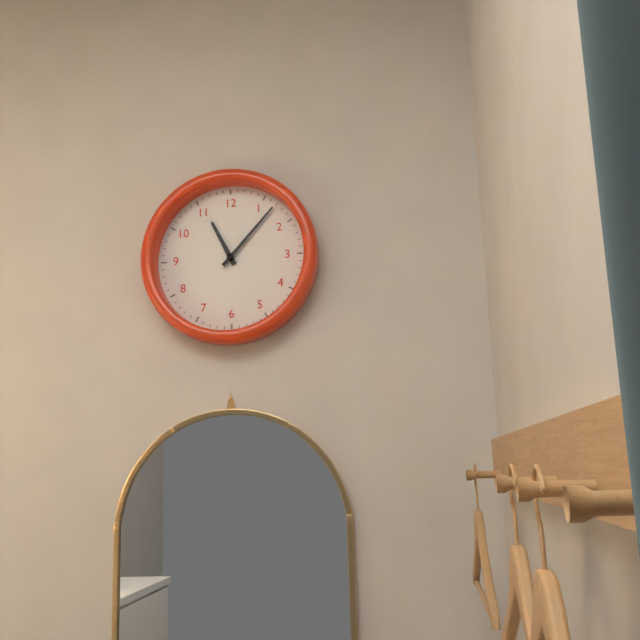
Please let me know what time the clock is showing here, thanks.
11:07
